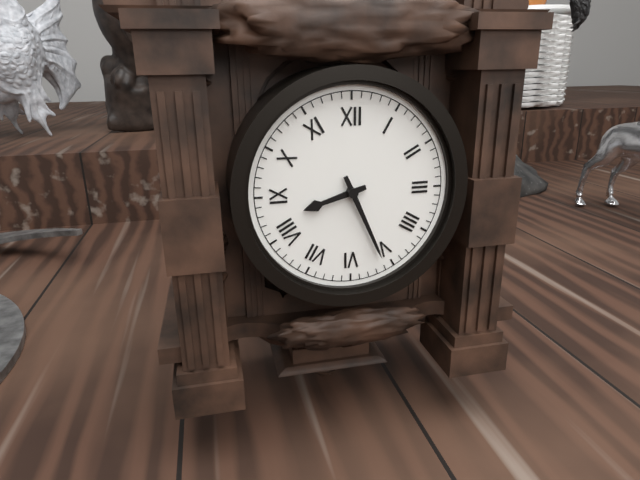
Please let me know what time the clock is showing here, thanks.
8:26
